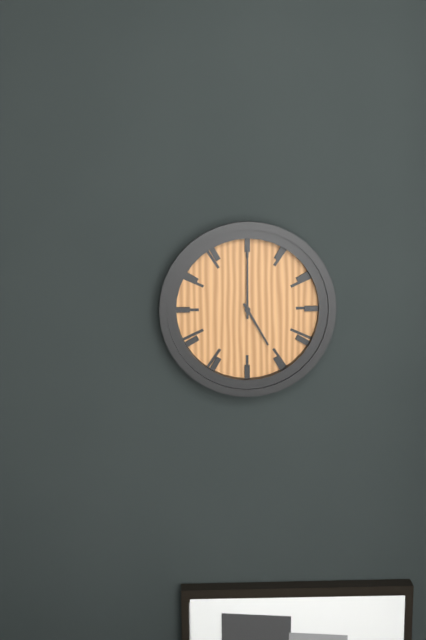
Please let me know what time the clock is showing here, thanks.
5:00
